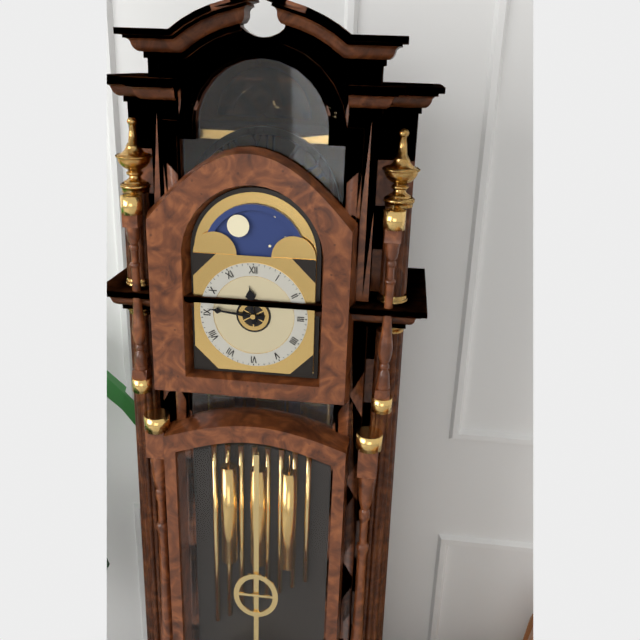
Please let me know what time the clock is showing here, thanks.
11:46
